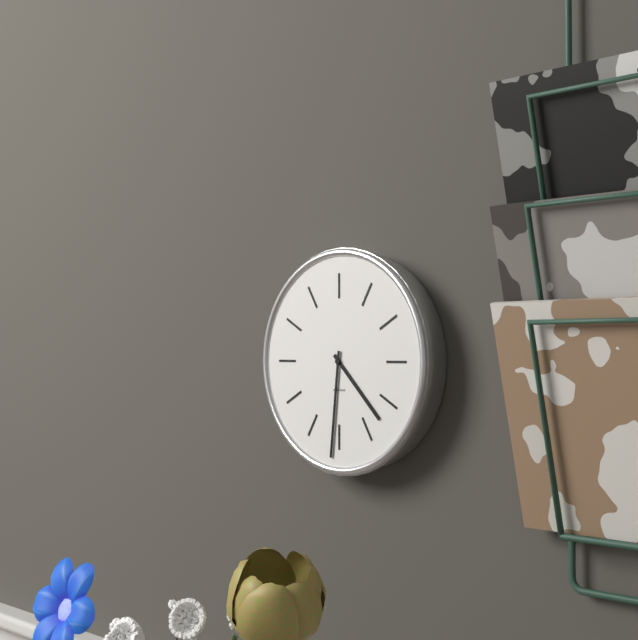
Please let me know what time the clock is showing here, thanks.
4:31
